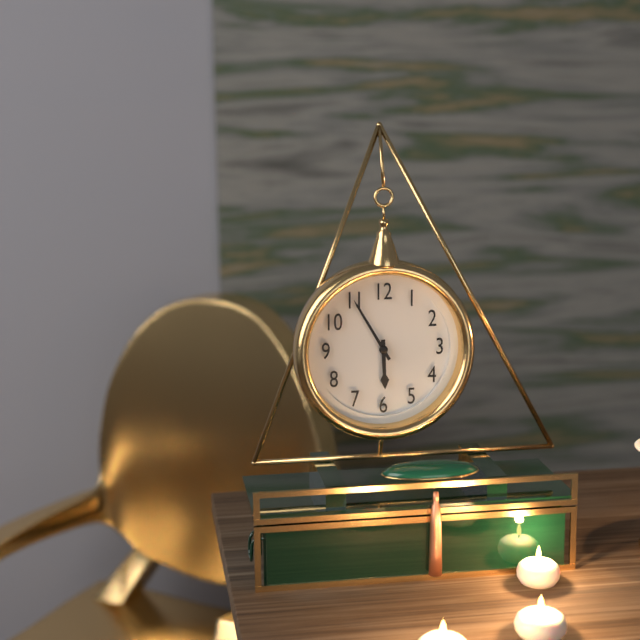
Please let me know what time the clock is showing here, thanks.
5:55
